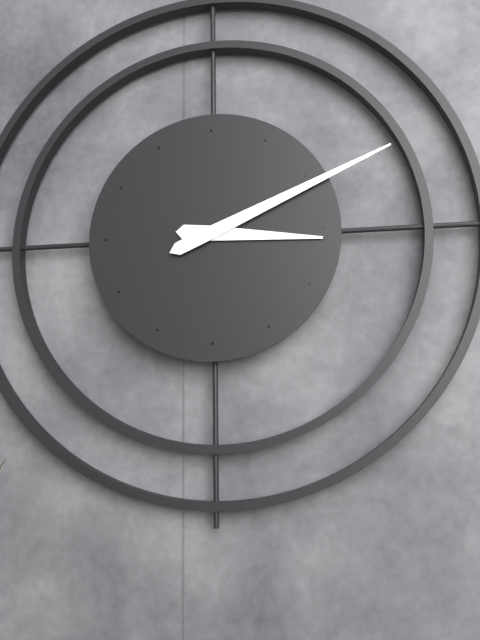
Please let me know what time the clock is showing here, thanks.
3:11
